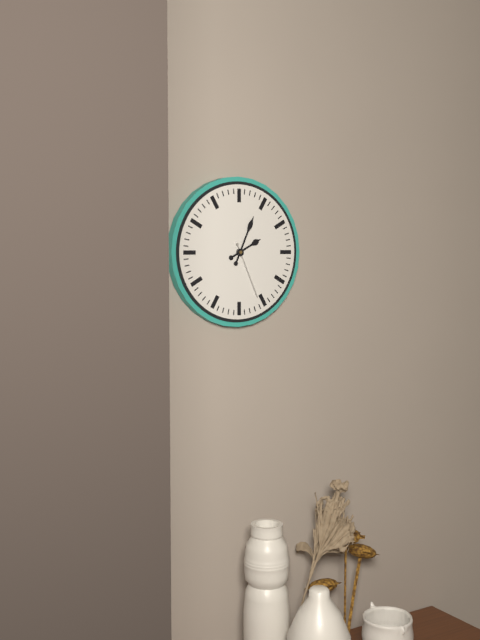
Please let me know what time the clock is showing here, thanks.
2:04:26
